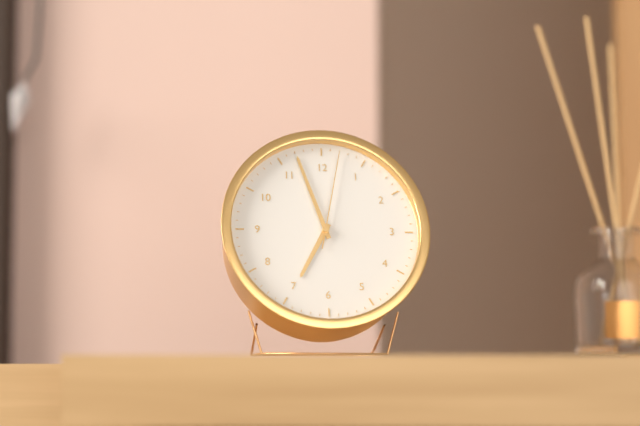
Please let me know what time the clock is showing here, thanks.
6:57:02
